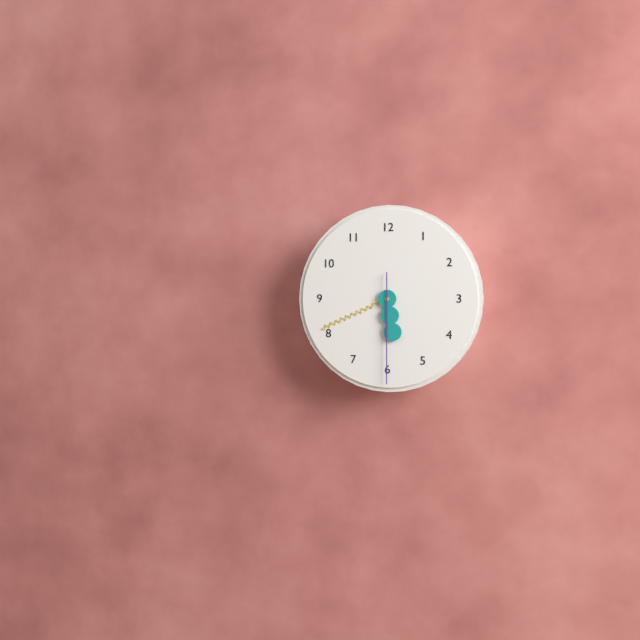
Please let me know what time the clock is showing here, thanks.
5:41:30
